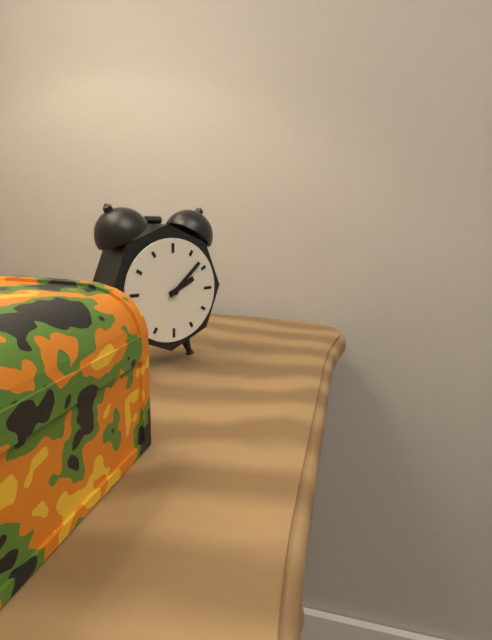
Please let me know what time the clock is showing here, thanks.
2:08
